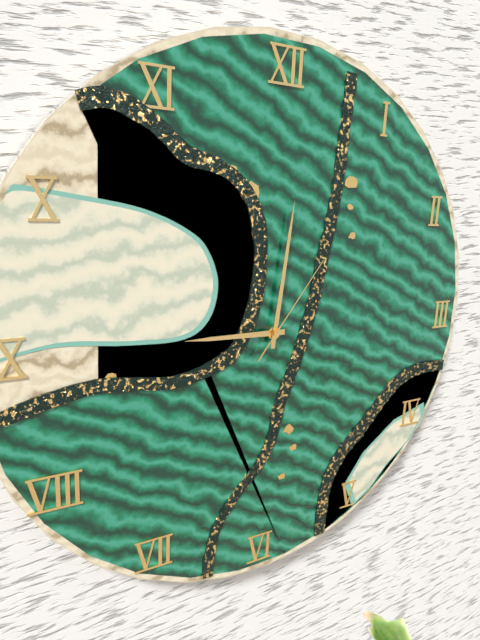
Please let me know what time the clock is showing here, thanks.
9:01:06
